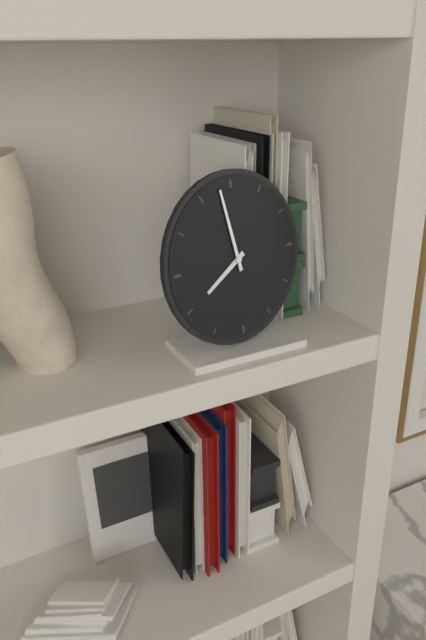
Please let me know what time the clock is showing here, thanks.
7:58
